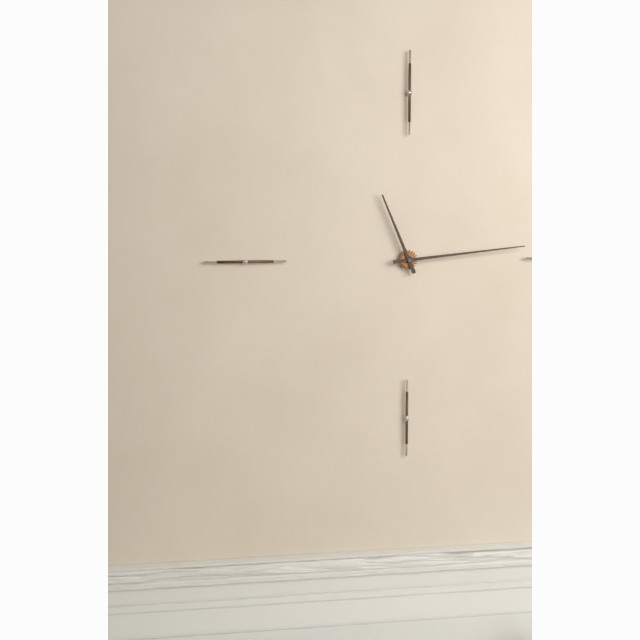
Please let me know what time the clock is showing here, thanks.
11:14
